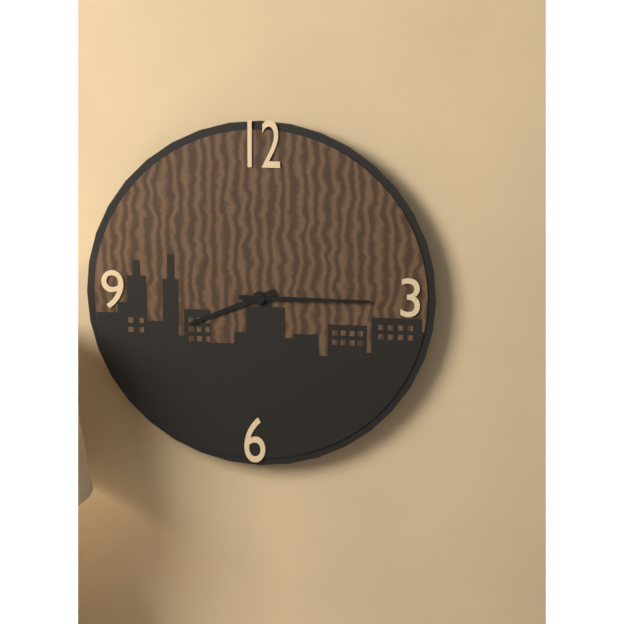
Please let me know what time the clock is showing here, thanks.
8:15
